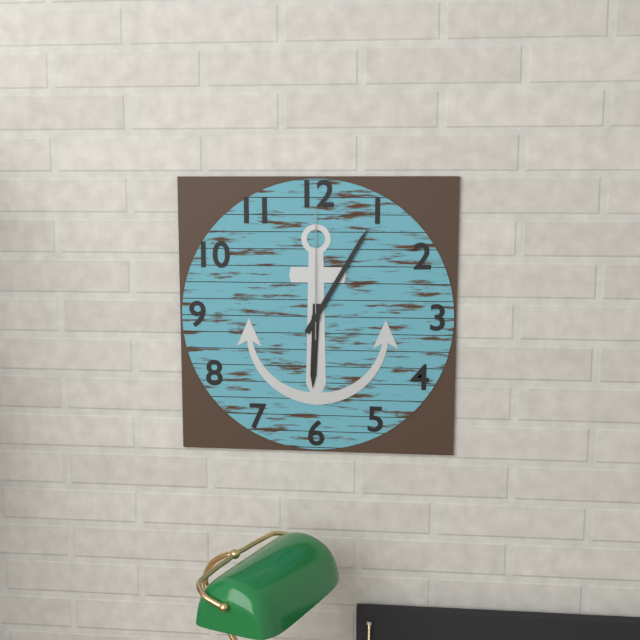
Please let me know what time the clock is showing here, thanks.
6:05:00
